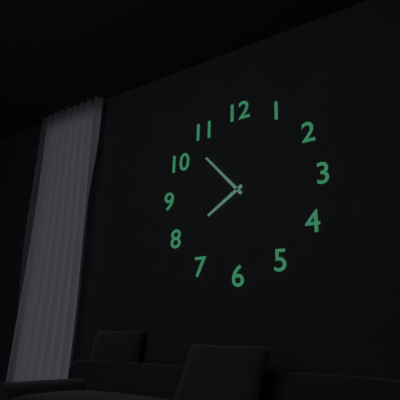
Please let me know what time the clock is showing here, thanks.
7:53
